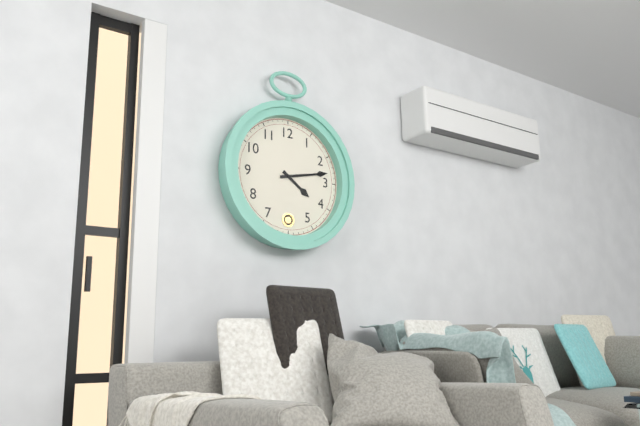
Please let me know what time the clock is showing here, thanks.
4:13
